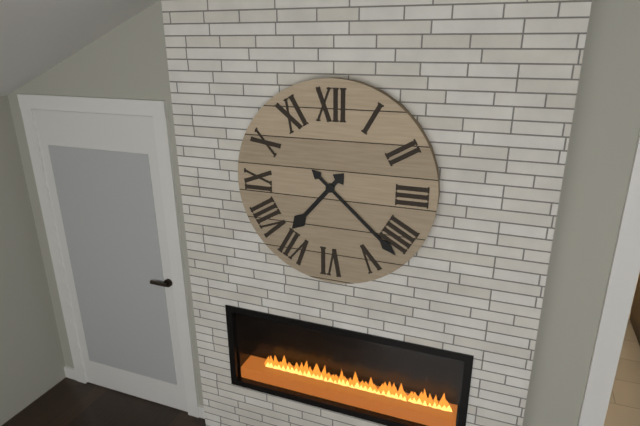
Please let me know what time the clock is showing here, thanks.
7:22
